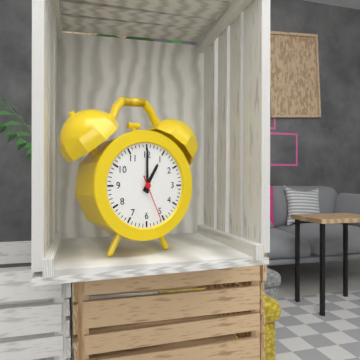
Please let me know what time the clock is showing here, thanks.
1:00
